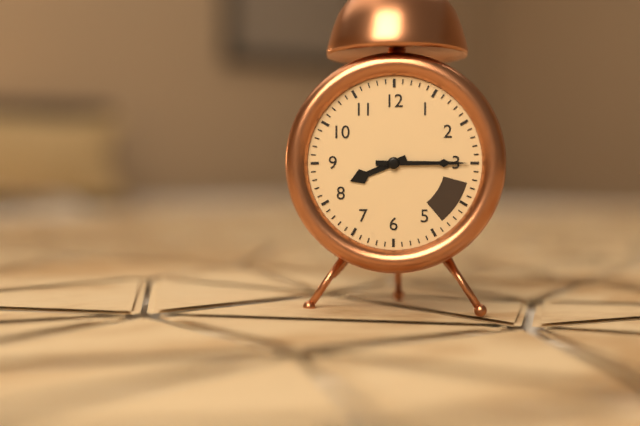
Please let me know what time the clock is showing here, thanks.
8:15
